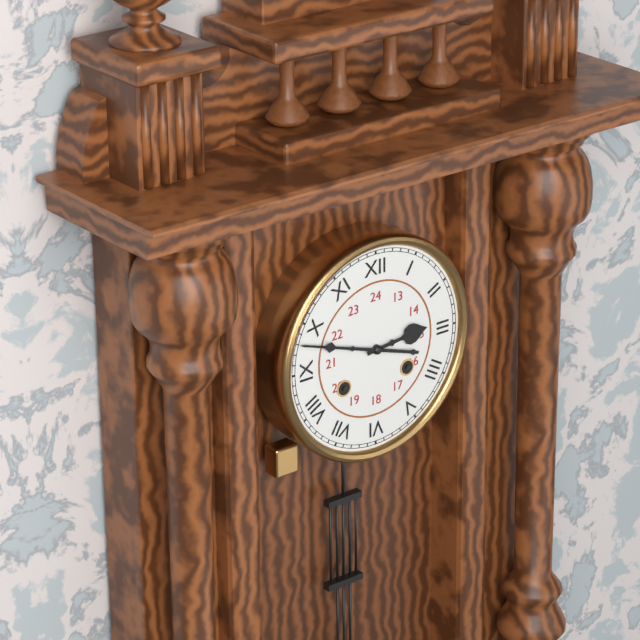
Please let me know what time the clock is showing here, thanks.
2:48
